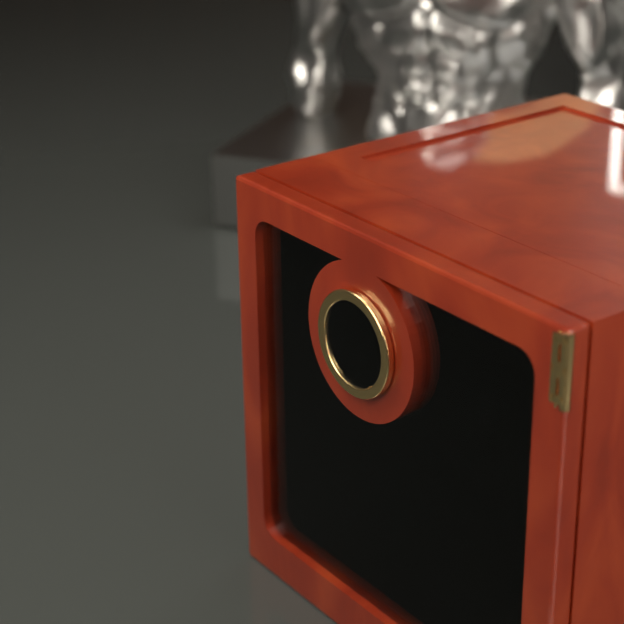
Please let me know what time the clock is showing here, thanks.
1:21
